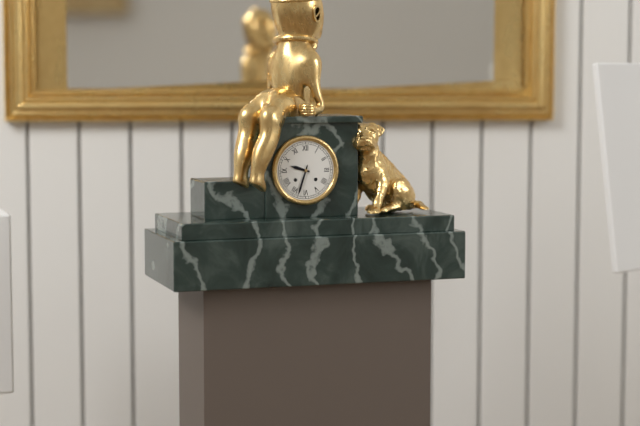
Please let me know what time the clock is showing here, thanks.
9:33
